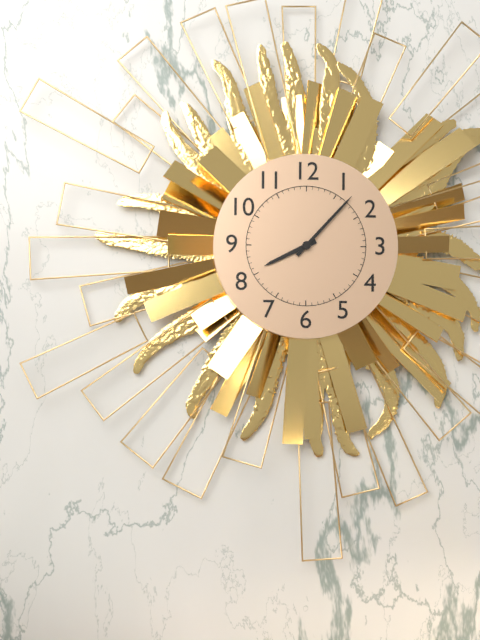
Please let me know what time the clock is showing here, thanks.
8:07
